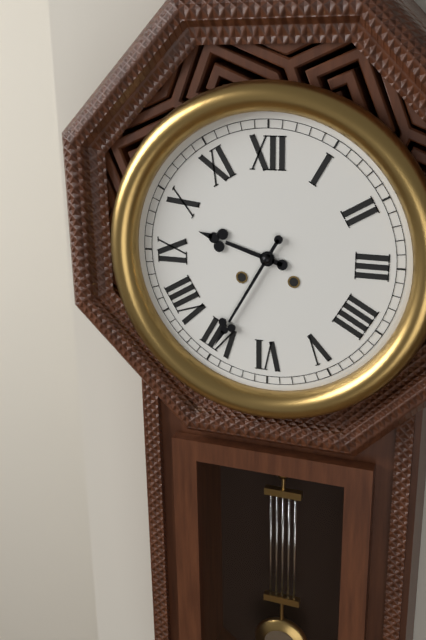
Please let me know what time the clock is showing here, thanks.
9:35
